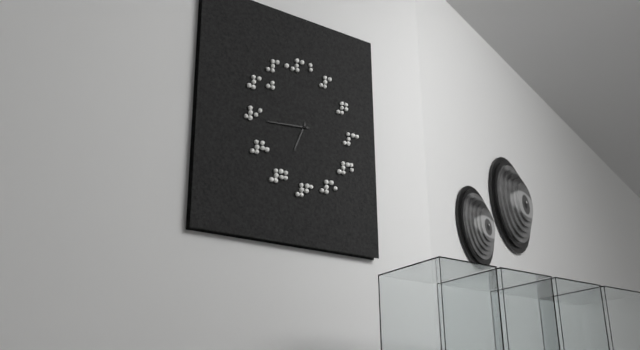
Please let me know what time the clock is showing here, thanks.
6:44
